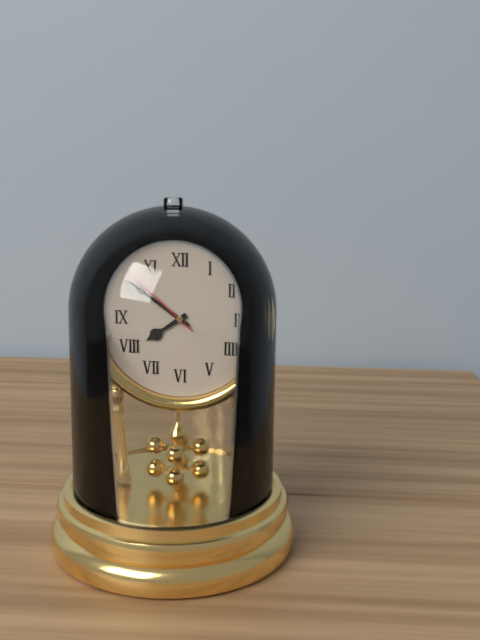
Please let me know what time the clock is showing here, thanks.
7:51:52
